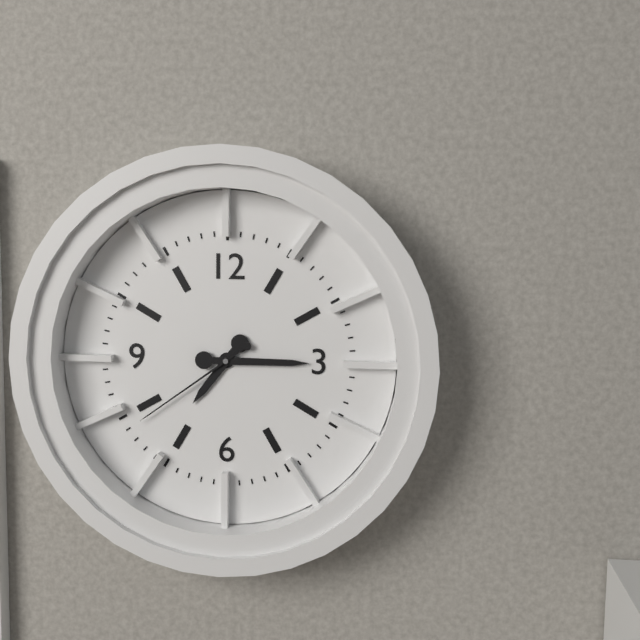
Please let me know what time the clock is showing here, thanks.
7:15:39
